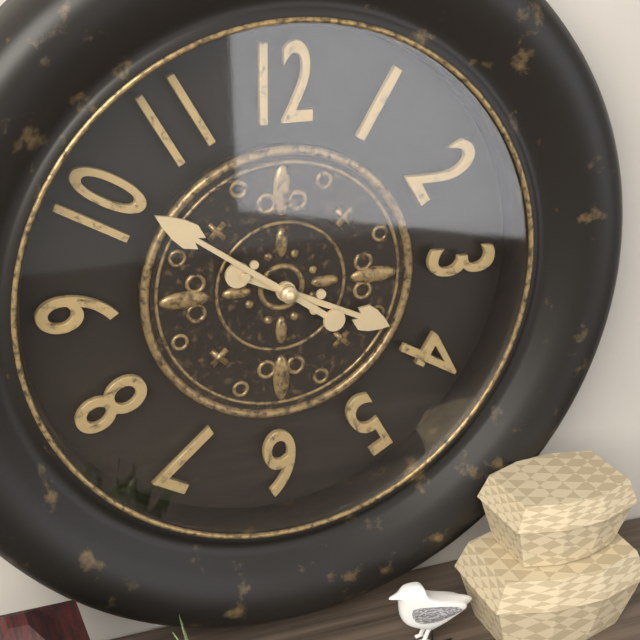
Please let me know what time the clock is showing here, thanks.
3:51
